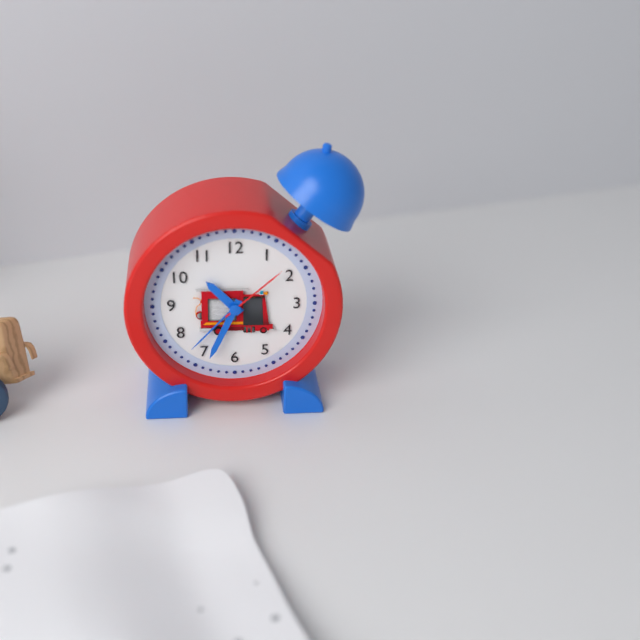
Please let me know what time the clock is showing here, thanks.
10:34:08
